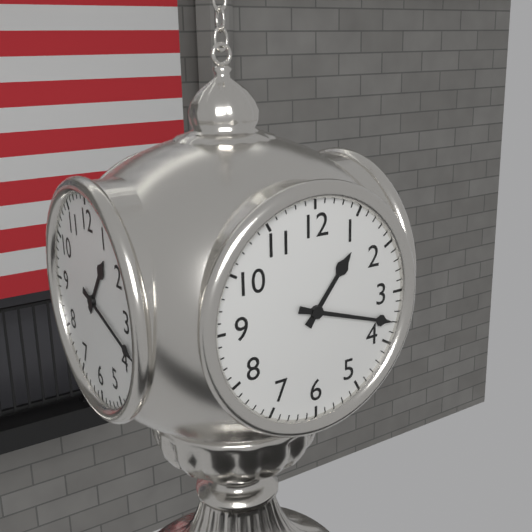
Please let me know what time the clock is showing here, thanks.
1:18
